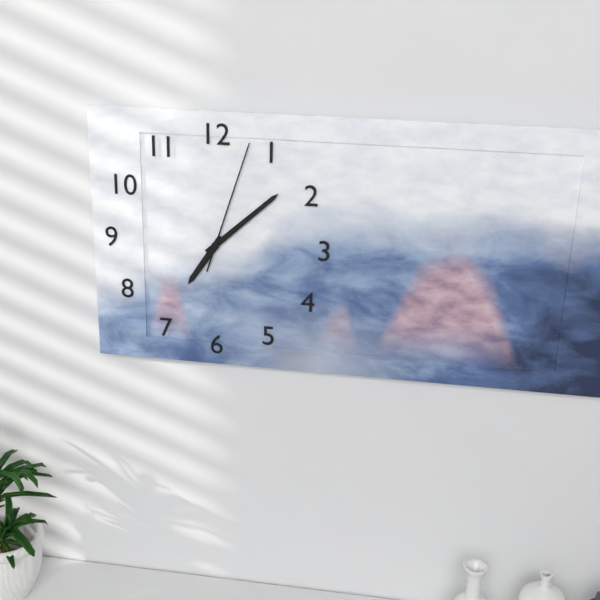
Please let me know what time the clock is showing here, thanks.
7:08:03
